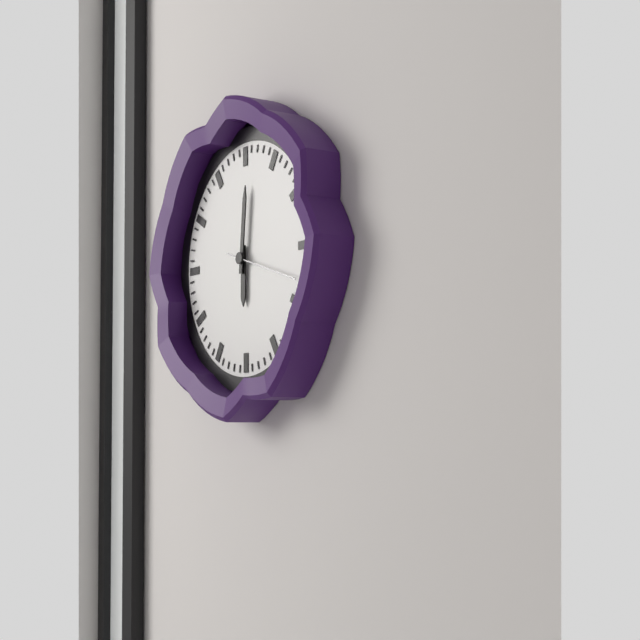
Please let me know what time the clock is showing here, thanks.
6:01:18
